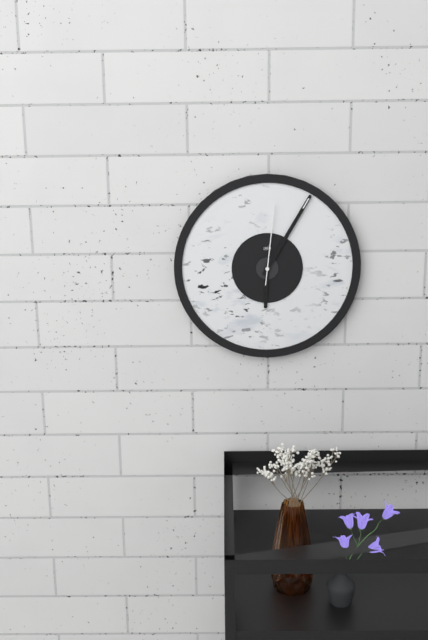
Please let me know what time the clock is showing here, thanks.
6:05:01
